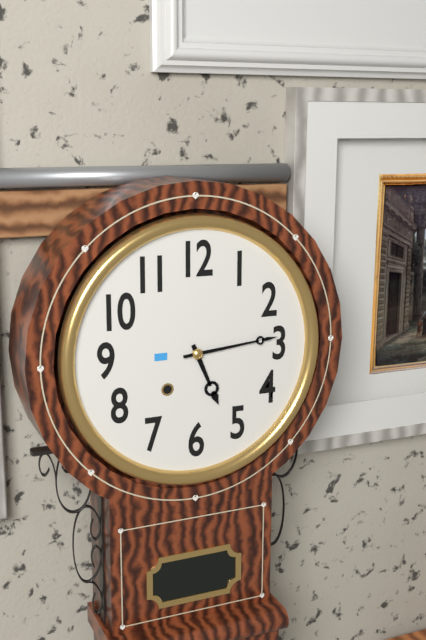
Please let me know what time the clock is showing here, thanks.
5:14
